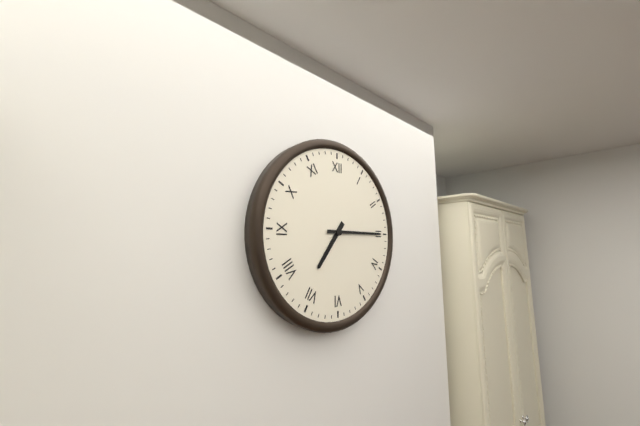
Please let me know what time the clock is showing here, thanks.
7:15
